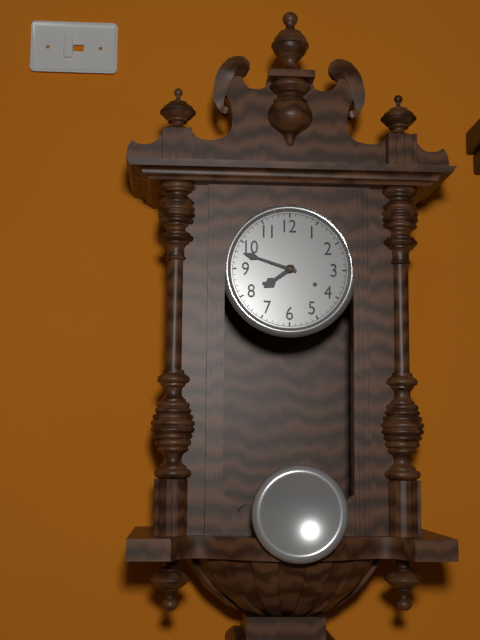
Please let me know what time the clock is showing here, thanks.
7:48
